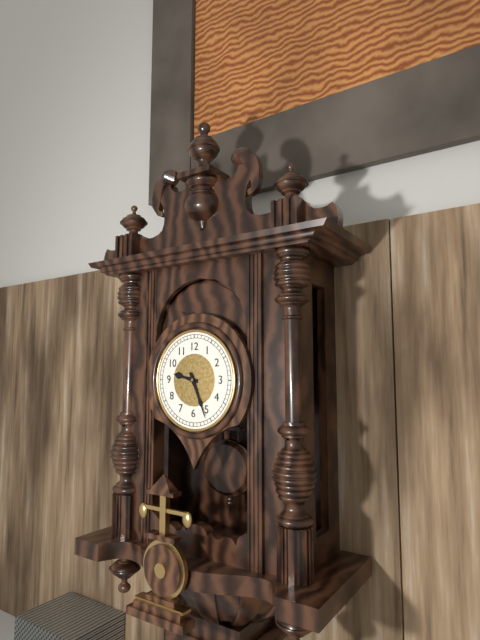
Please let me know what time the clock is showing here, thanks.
9:26
